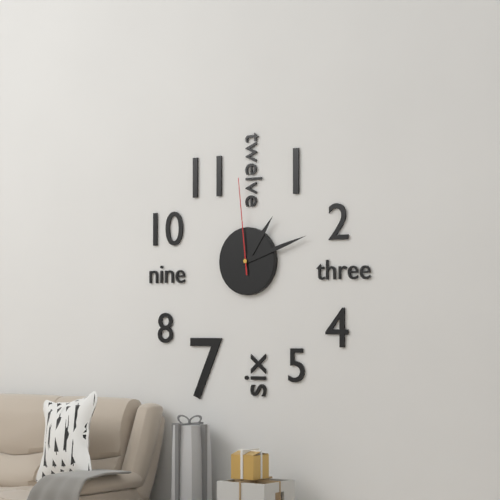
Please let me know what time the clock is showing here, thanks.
1:12:59
